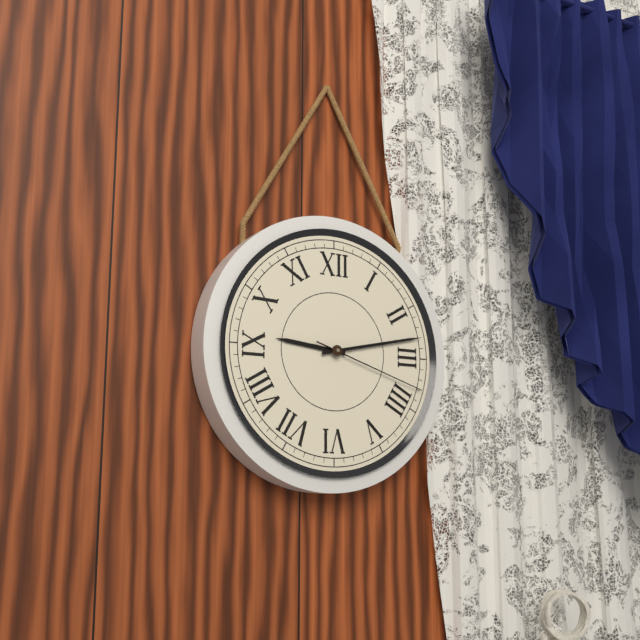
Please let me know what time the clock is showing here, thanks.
9:13:18
